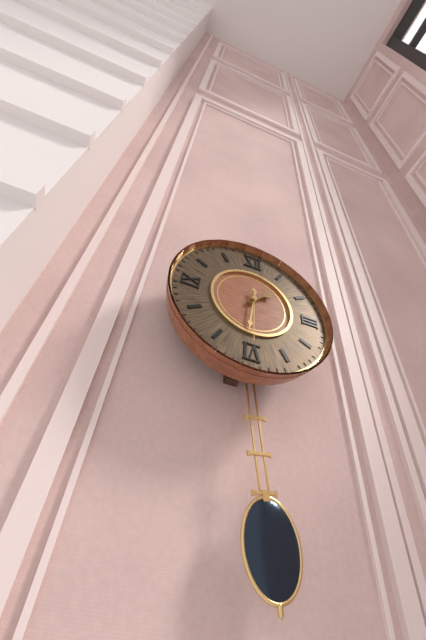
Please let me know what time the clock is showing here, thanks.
1:31:30
